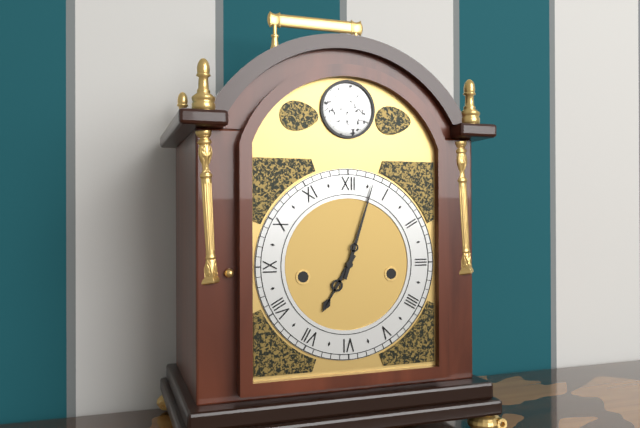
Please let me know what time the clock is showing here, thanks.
7:03
